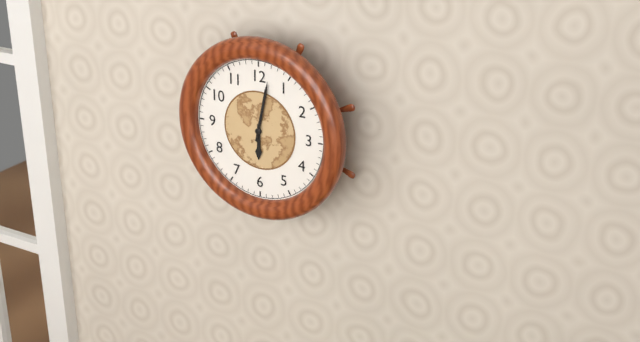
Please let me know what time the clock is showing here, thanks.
6:02
